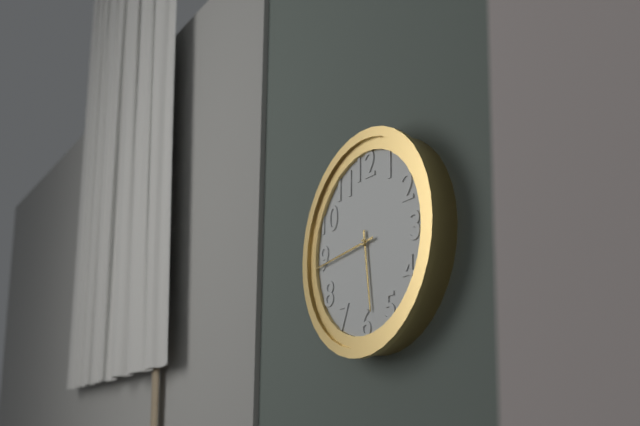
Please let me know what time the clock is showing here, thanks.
5:44
